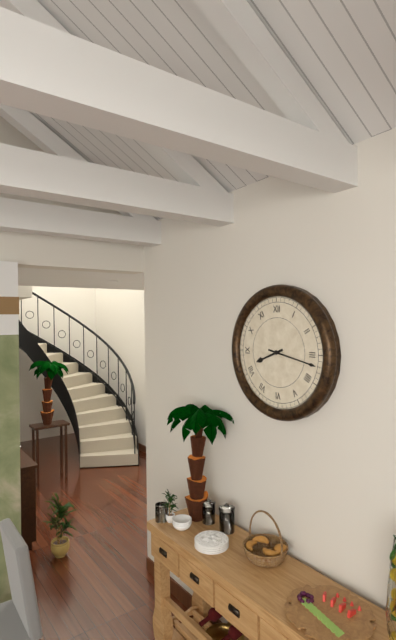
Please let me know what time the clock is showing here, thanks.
8:17
